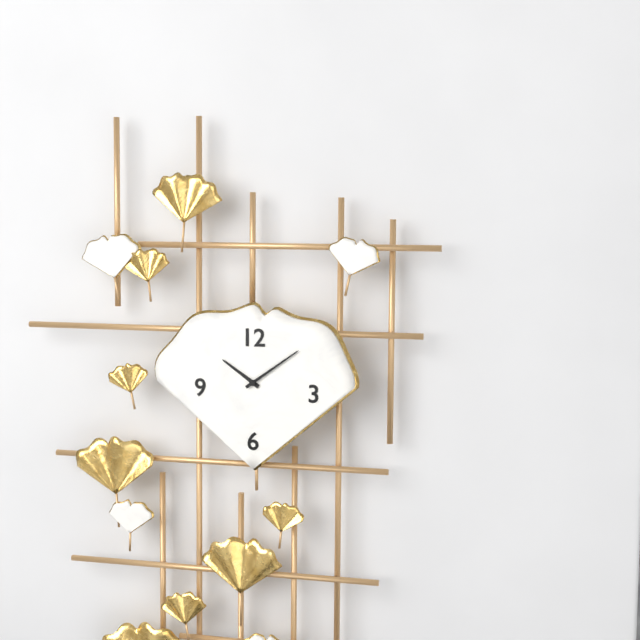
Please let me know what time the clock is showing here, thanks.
10:09
